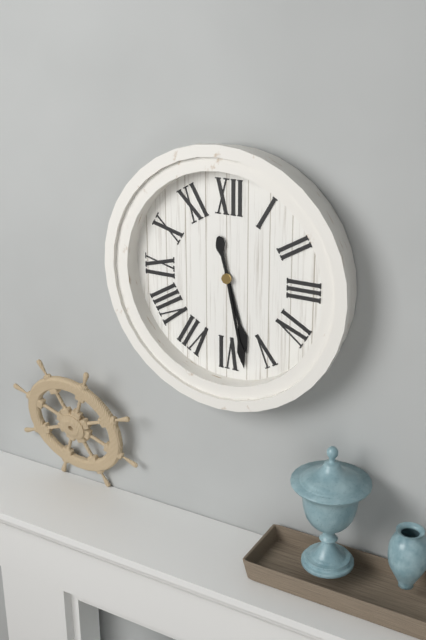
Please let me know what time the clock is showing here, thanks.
5:28
